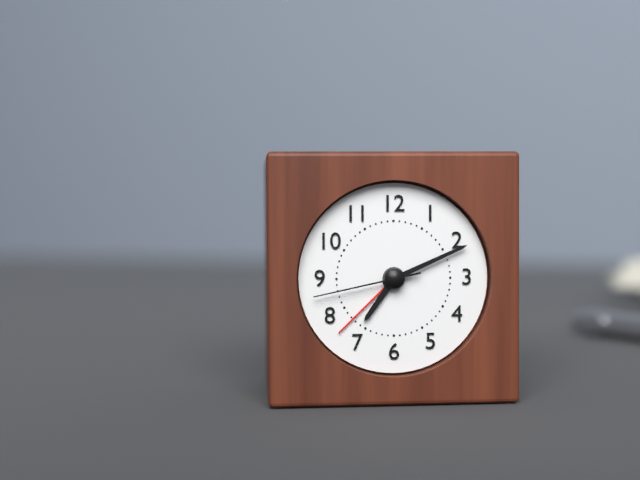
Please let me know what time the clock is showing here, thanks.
7:11:43
